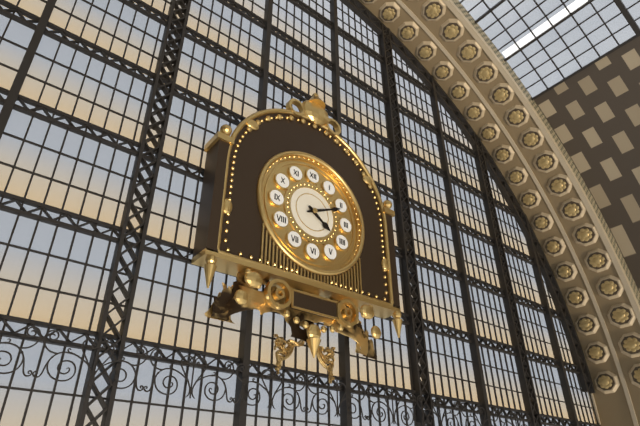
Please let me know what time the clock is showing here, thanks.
4:11
